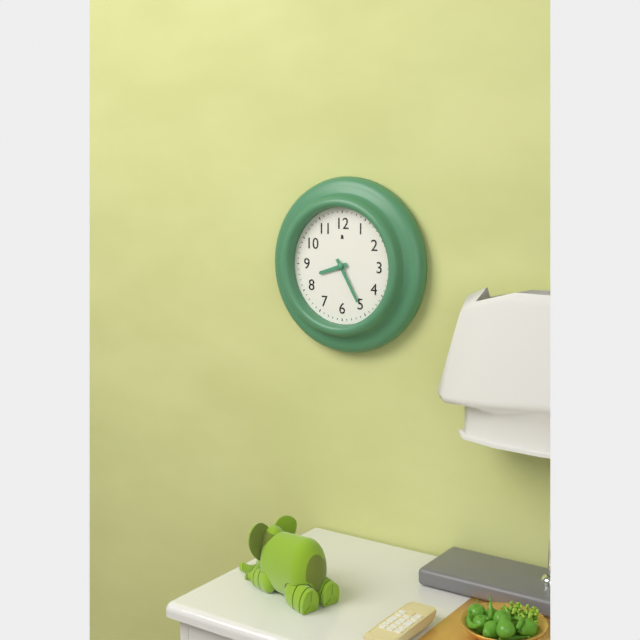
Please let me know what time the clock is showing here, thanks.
8:25
